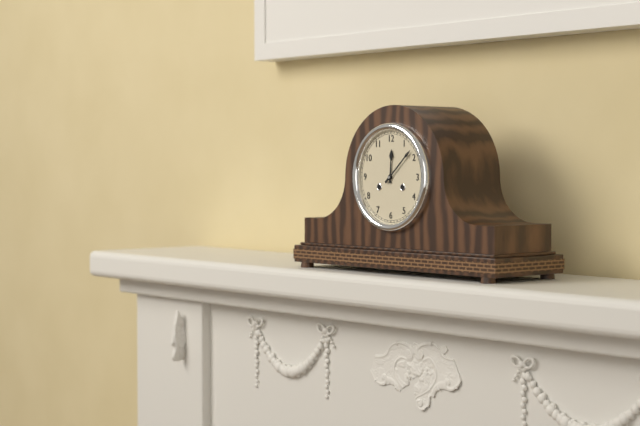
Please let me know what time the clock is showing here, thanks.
12:08
